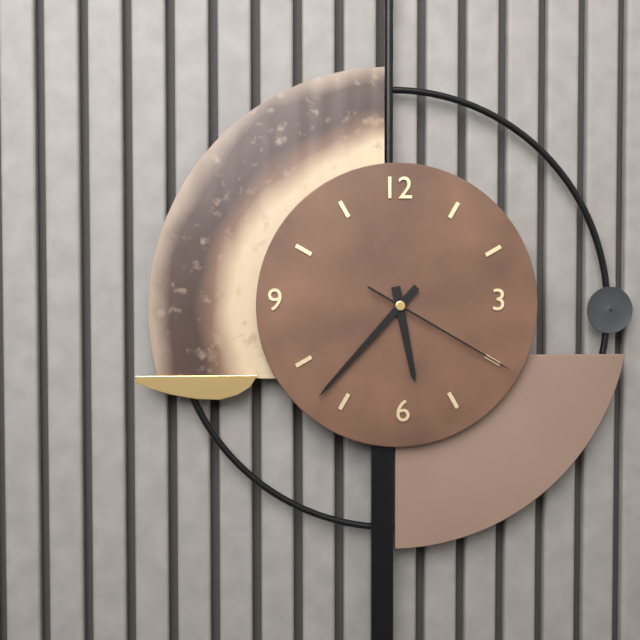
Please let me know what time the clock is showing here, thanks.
5:37:20
